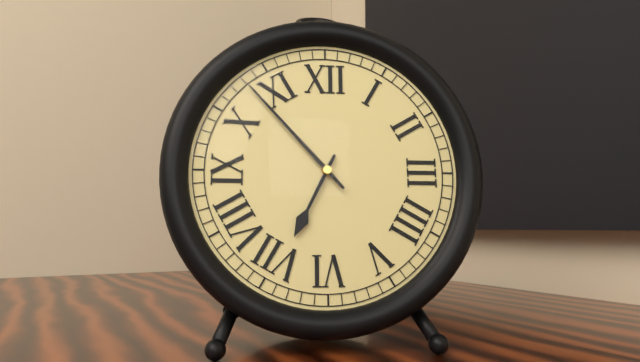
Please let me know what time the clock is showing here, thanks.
6:53
